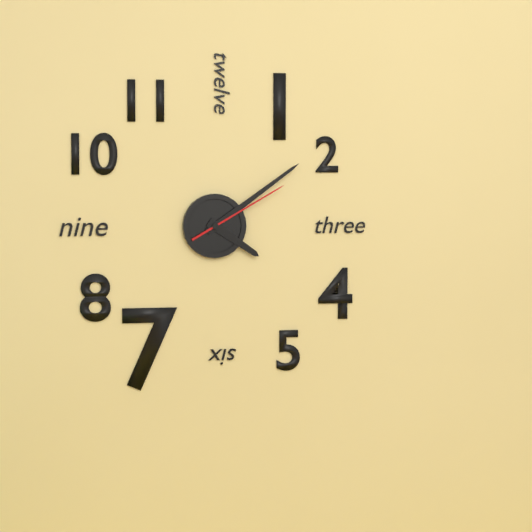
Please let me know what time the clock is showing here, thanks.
4:09:10
